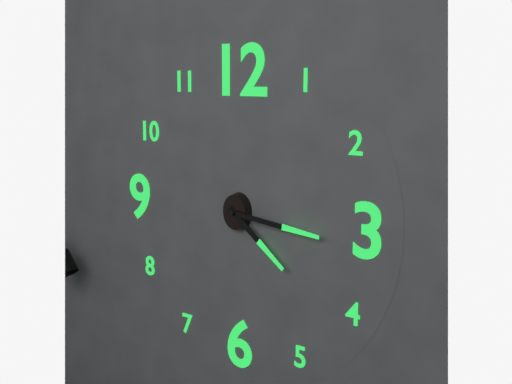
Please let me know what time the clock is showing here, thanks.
4:16
